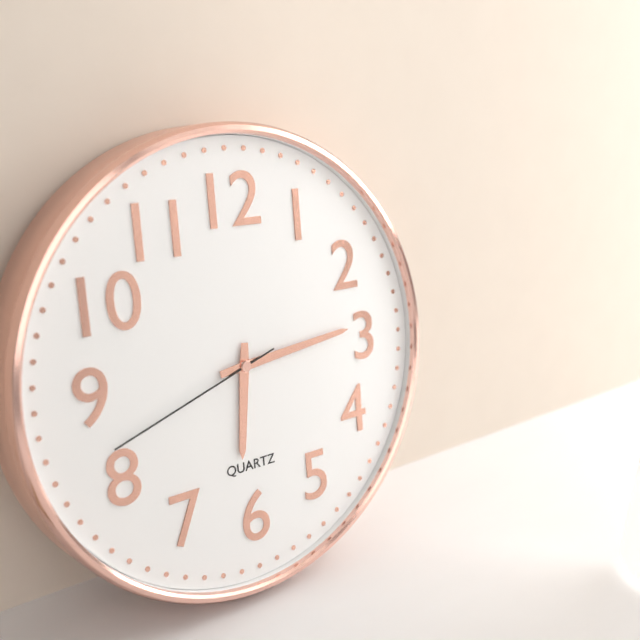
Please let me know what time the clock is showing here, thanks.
6:14:42
